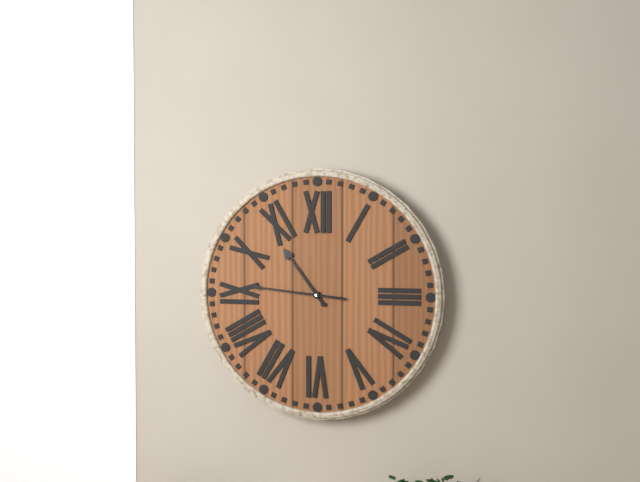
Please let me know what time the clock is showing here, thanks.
10:46
